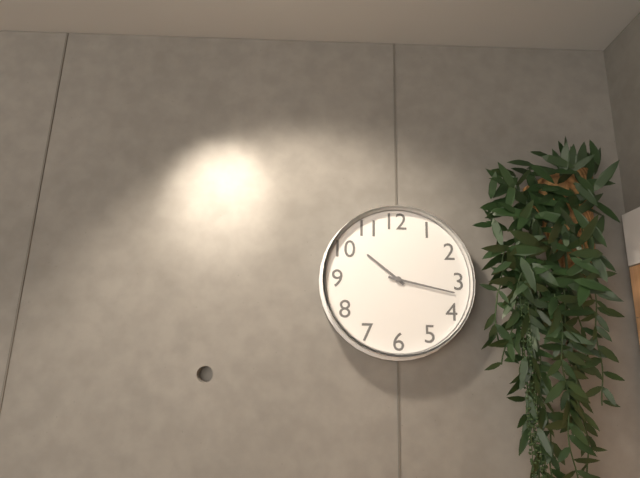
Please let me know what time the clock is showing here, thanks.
10:17
